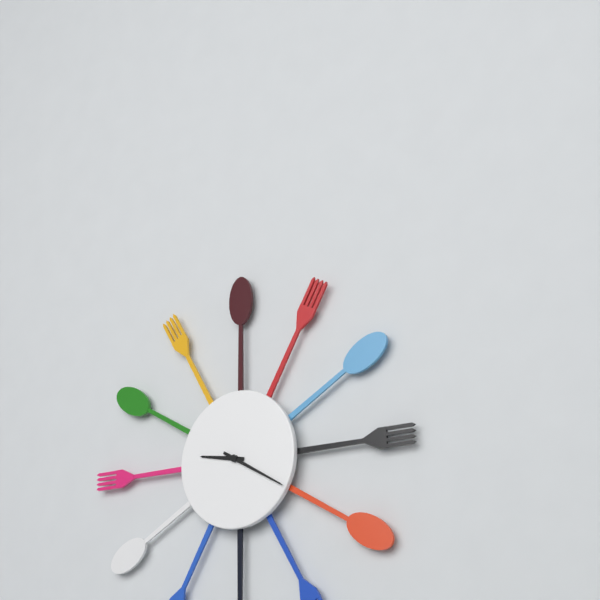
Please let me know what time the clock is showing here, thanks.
9:20
